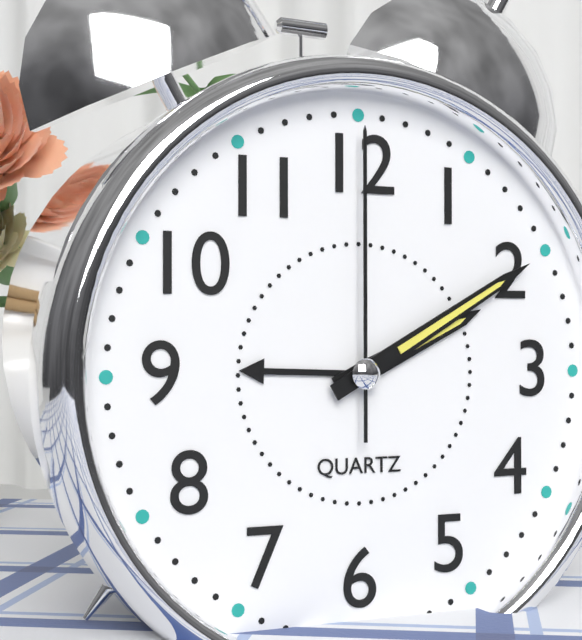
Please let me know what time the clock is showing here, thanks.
2:10:00
